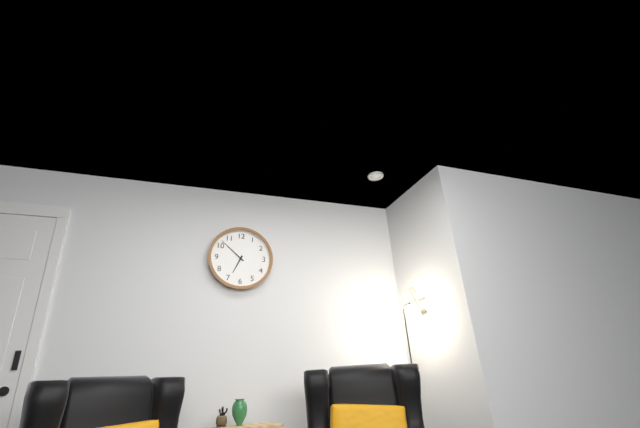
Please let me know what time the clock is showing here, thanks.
6:52
